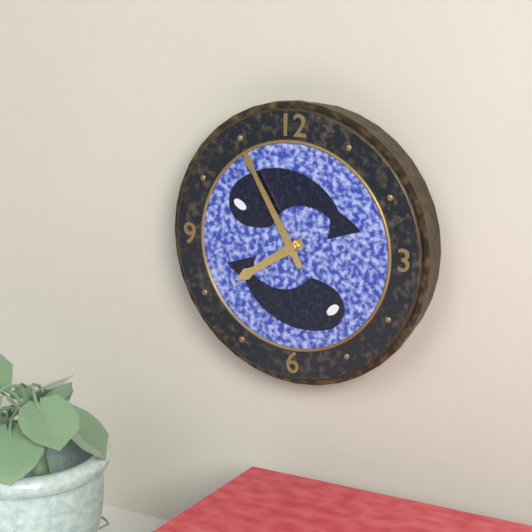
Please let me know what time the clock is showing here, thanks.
7:55
